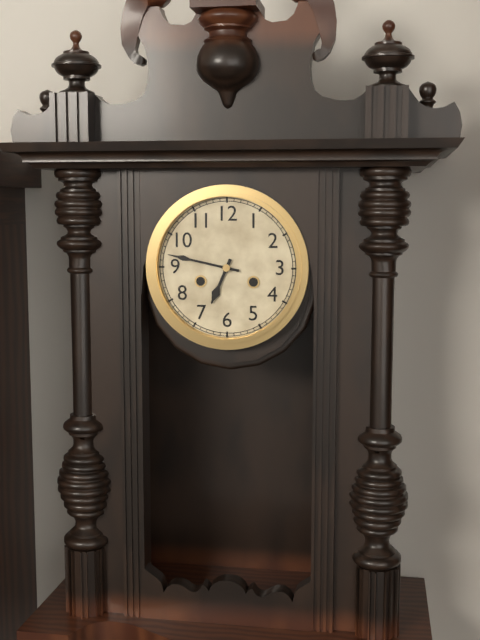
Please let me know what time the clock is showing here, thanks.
6:47
